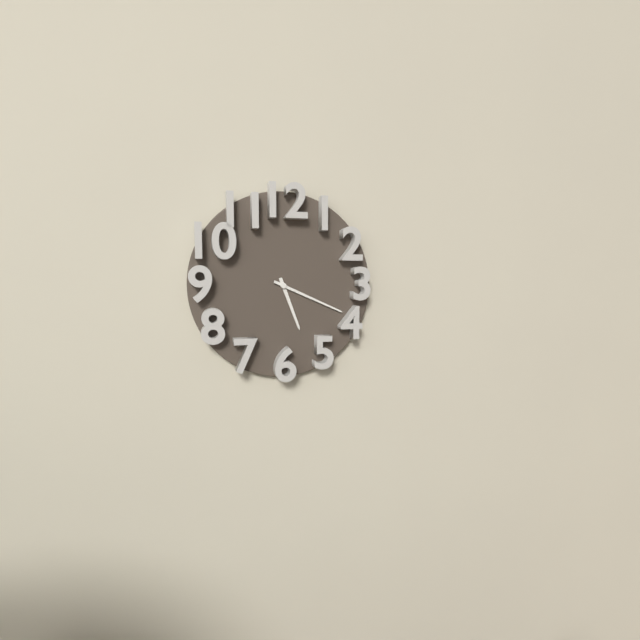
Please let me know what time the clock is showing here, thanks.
5:19
